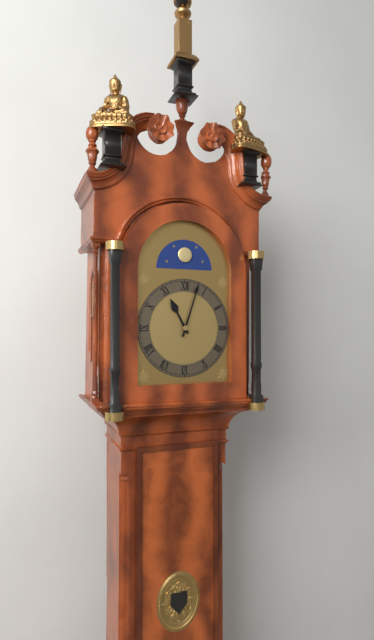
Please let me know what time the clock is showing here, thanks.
11:03
